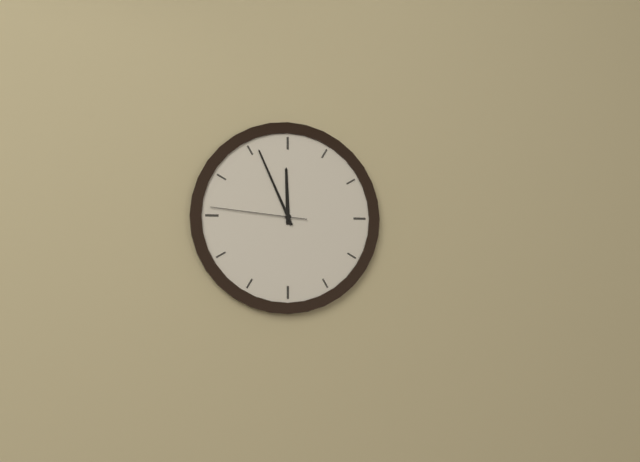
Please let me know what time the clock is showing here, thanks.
11:56:46
